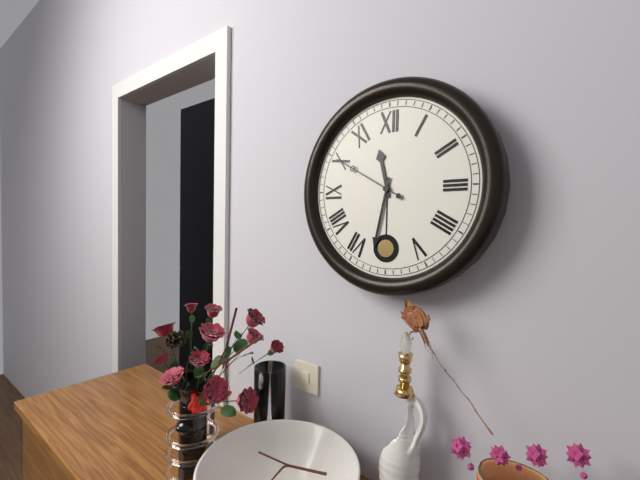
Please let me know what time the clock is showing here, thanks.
11:32:50
